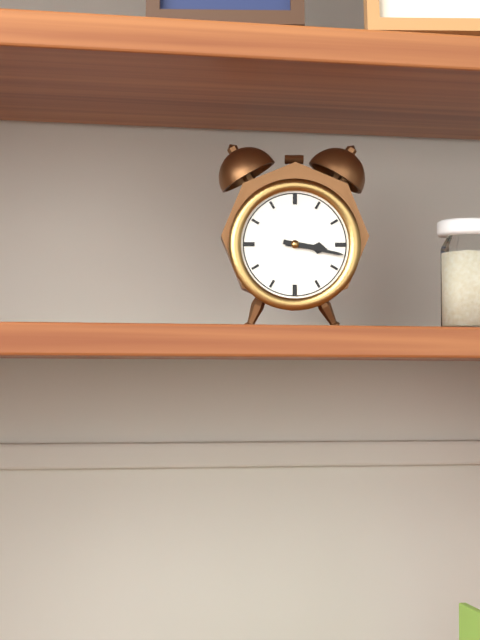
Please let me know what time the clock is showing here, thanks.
3:17
